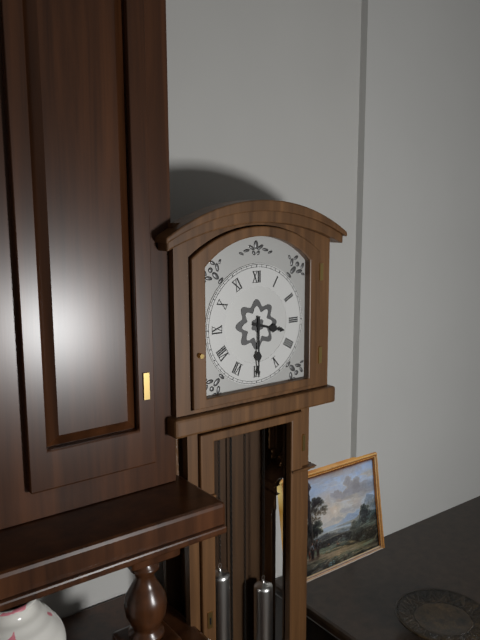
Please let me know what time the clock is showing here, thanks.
3:30
